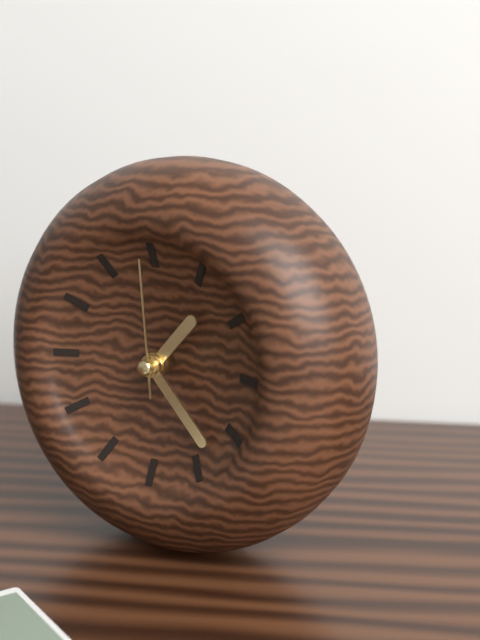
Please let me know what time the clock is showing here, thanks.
1:23:59
